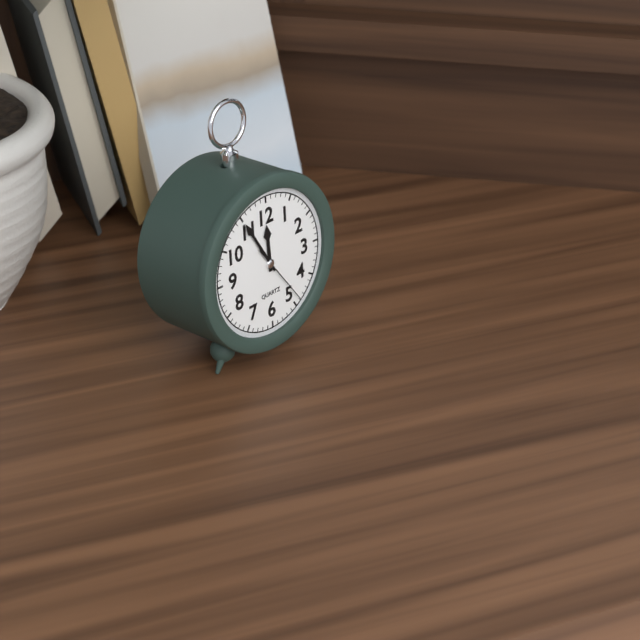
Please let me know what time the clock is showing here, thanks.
11:55:24
